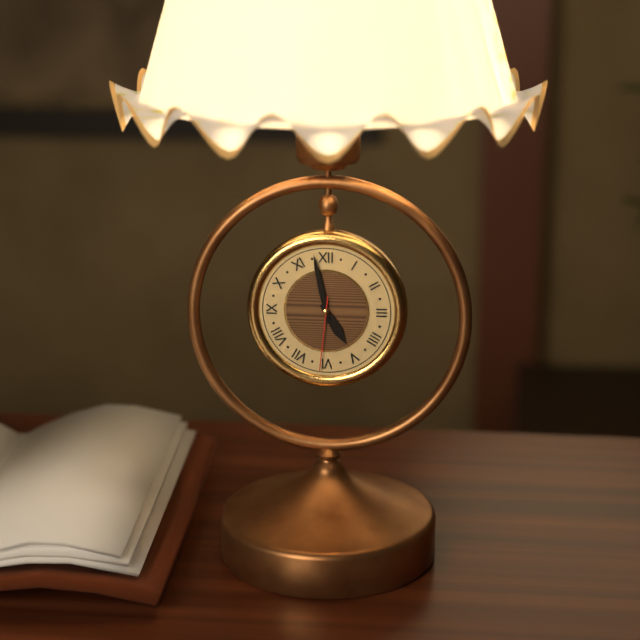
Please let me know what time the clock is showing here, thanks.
4:58:31
